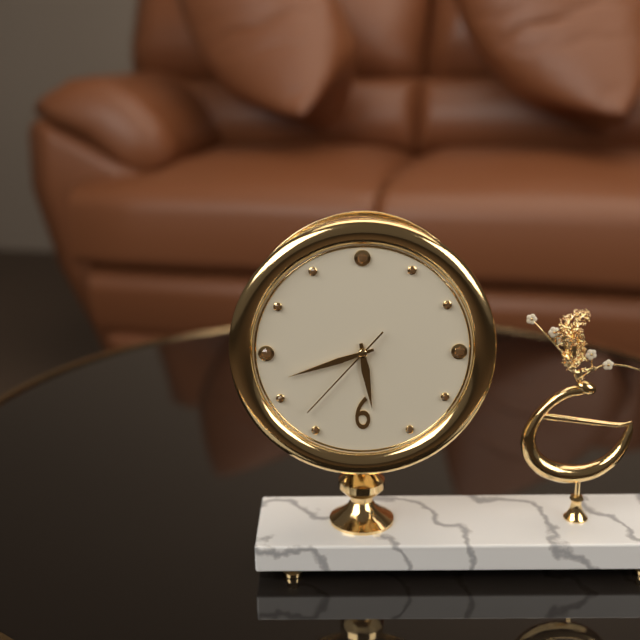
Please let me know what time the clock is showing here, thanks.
5:42:37
